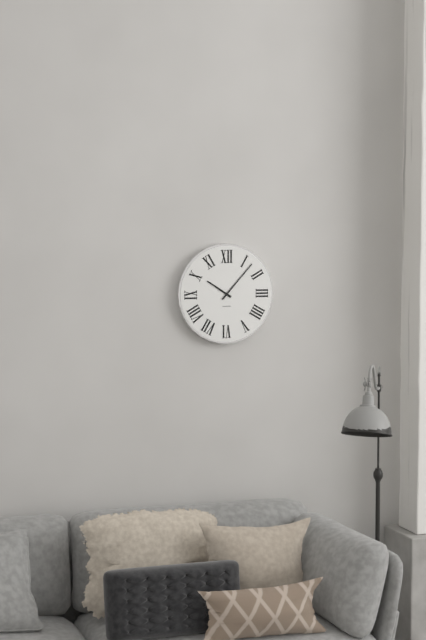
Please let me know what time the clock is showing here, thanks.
10:07
